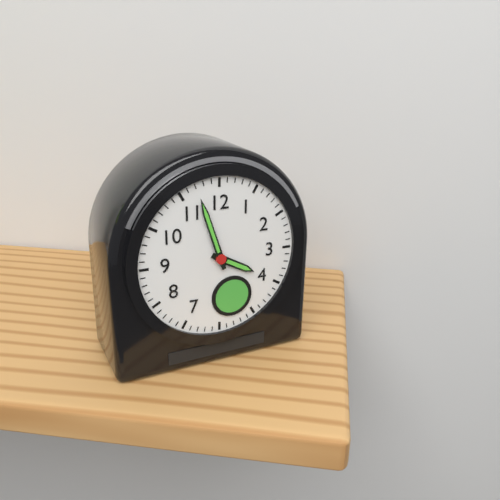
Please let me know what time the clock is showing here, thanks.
3:57
